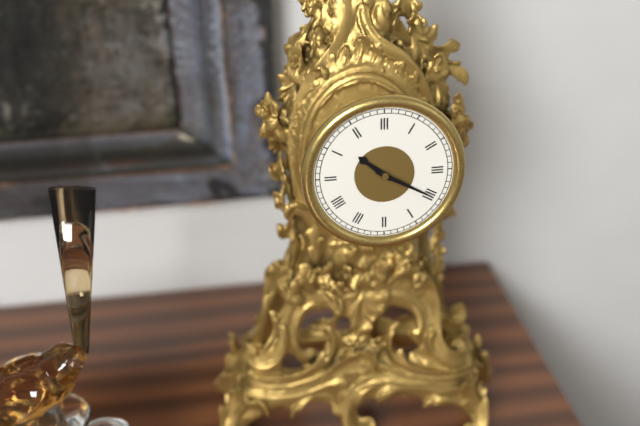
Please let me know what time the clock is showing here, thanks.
10:20
